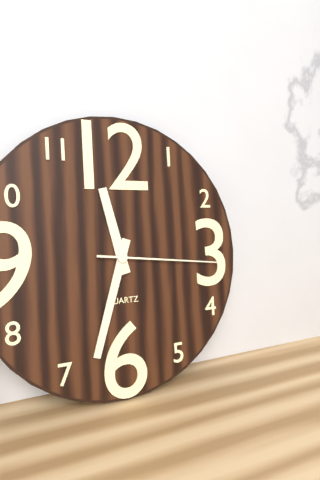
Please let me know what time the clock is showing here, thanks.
11:33:16
